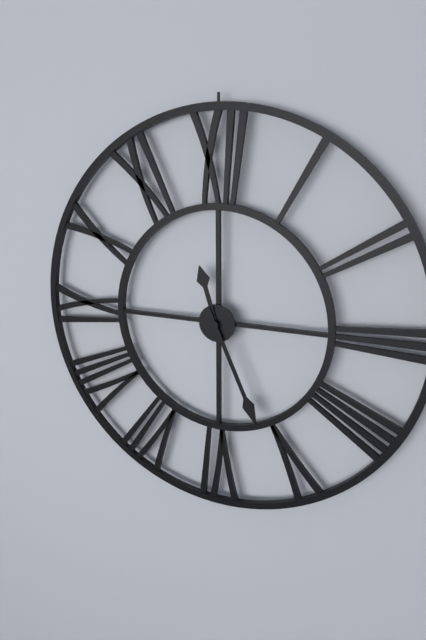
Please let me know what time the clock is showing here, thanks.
11:26
